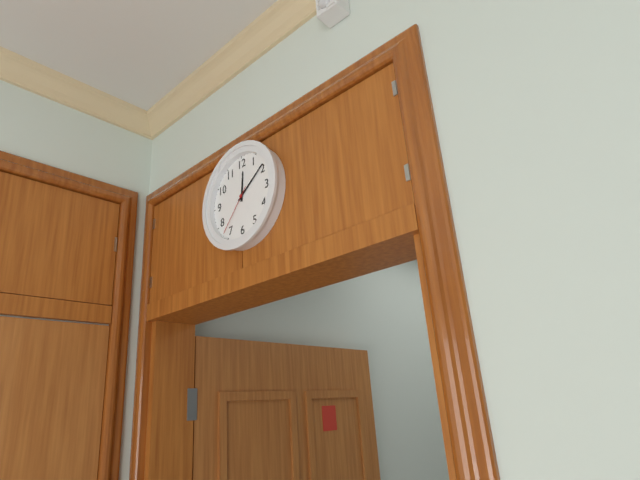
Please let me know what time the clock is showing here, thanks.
12:09:37
